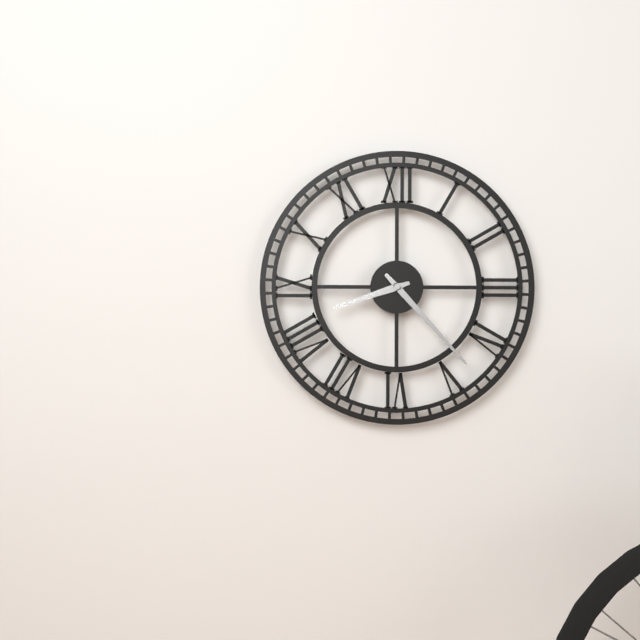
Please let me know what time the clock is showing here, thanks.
8:23
